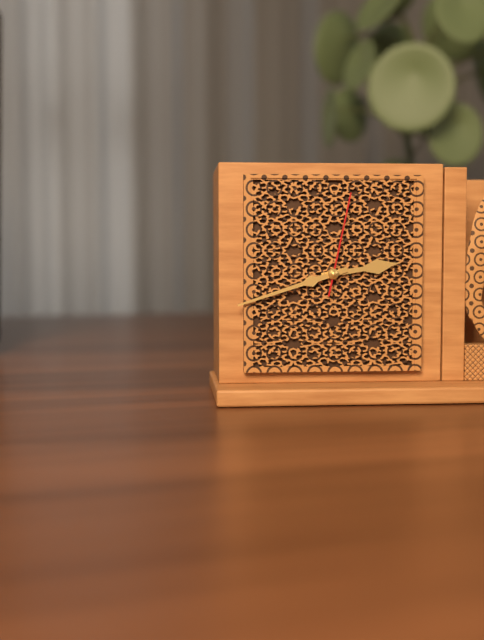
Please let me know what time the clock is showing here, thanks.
2:42:02
